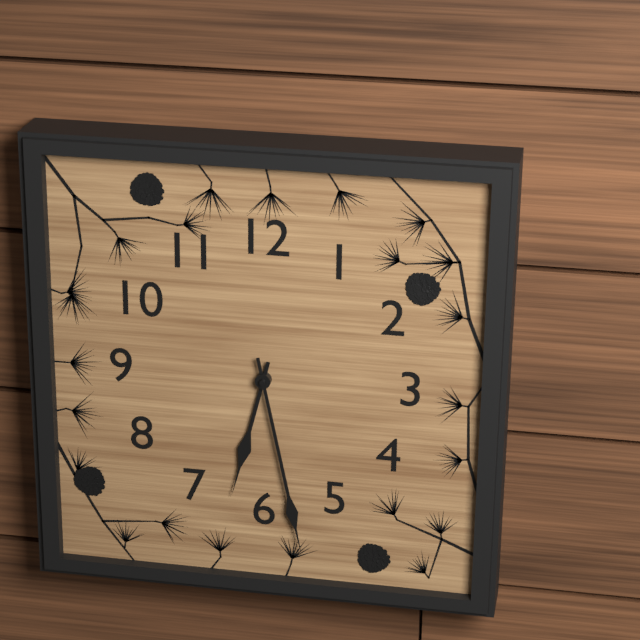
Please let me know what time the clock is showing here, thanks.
6:28
